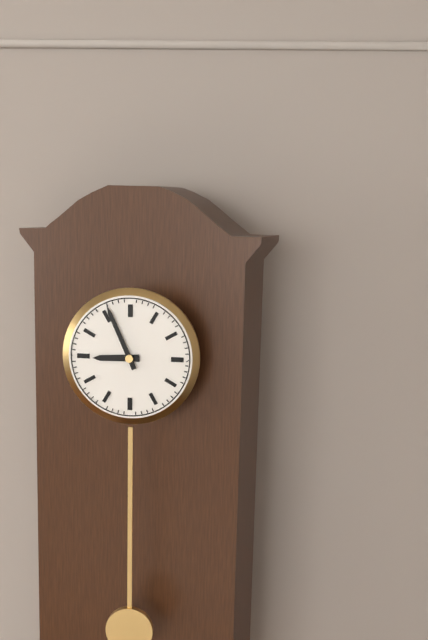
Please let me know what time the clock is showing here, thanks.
8:56
